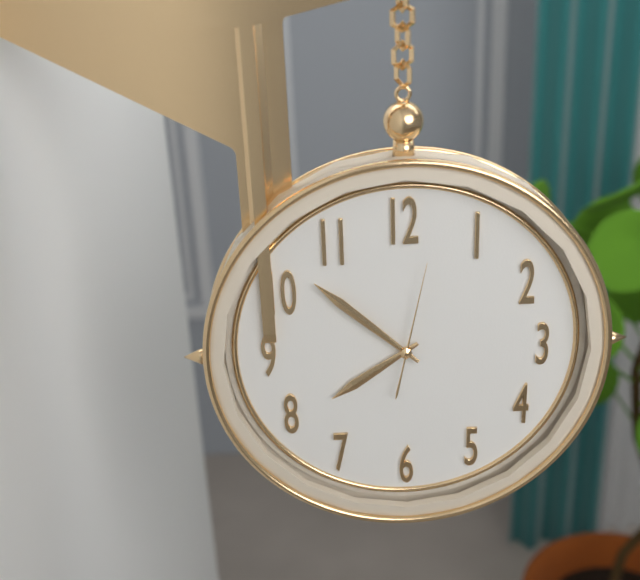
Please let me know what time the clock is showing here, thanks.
7:52:02
